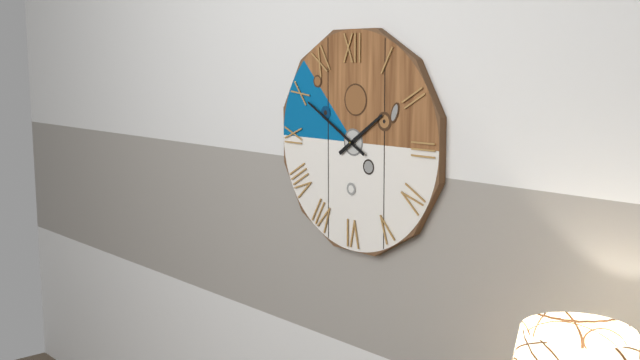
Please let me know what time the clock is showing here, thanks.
1:50
